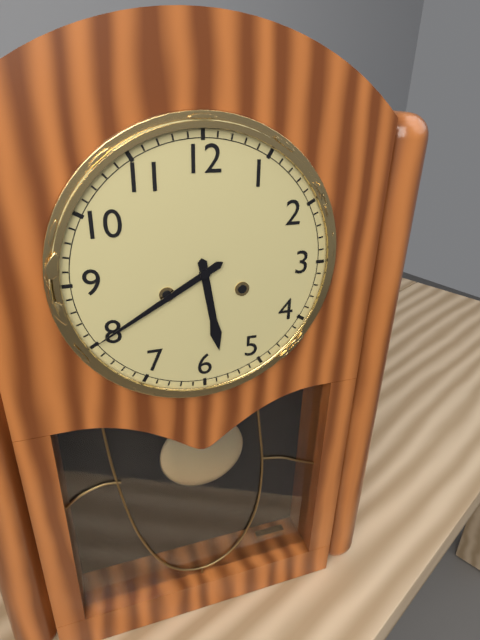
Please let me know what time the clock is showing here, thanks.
5:40
